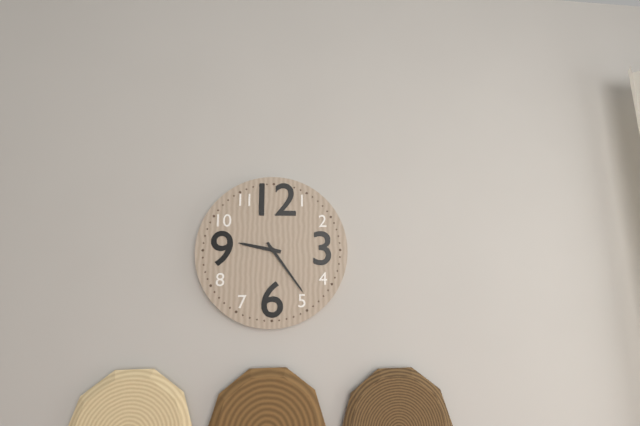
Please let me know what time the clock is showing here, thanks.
9:24
